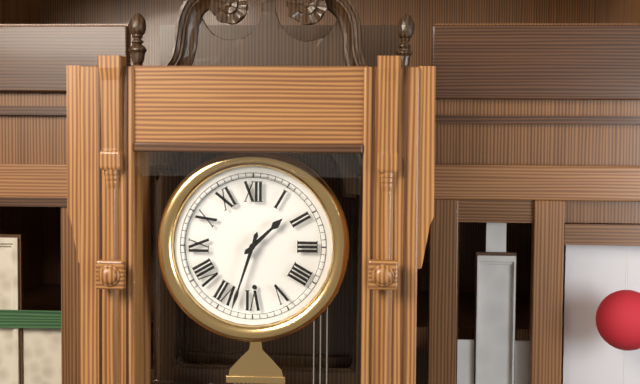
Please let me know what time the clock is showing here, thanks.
1:33
